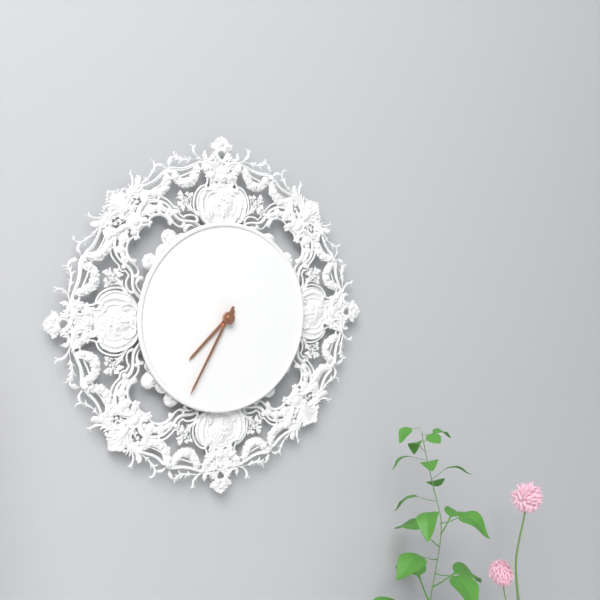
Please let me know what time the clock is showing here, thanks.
7:35
